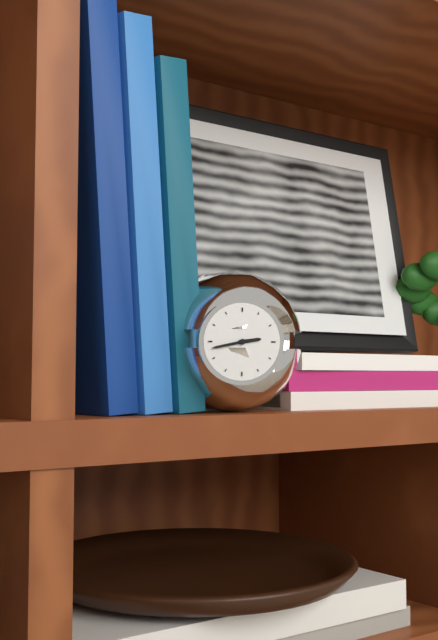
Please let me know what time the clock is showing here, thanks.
2:43
